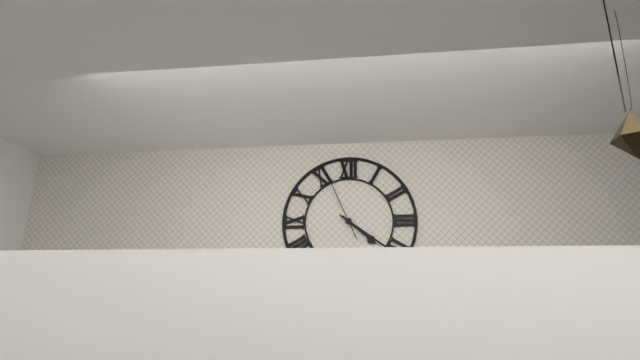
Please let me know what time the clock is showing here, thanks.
4:21:56
